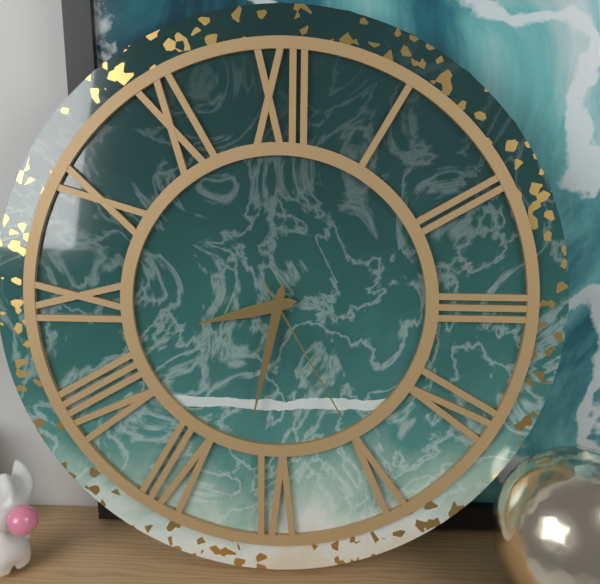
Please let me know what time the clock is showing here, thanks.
8:32:25
